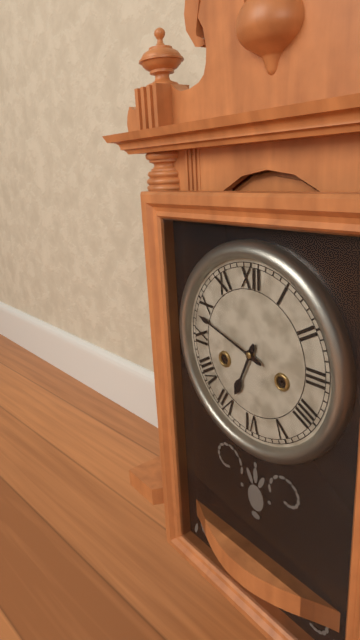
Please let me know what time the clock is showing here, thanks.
6:48
